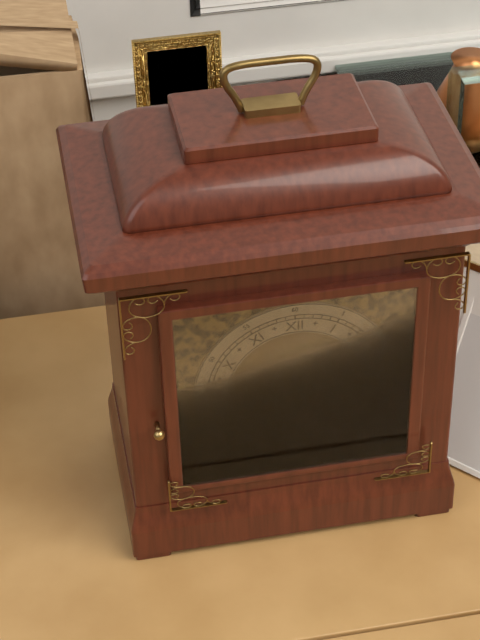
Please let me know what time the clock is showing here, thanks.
1:29
